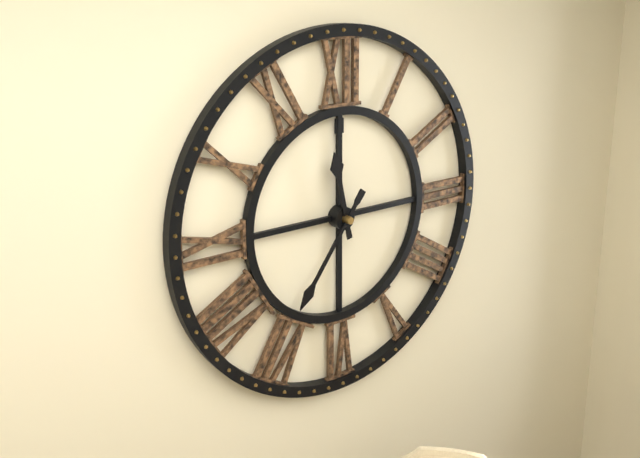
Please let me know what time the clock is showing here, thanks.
11:36
